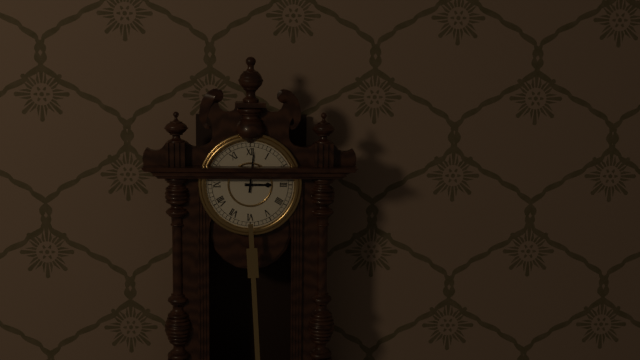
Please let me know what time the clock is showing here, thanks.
3:01
